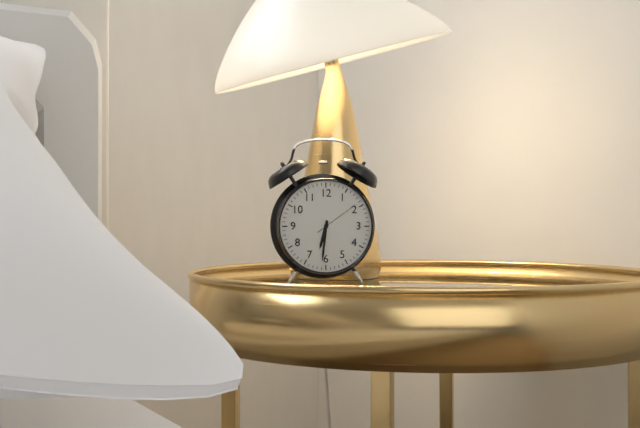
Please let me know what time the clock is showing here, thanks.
6:31:09
